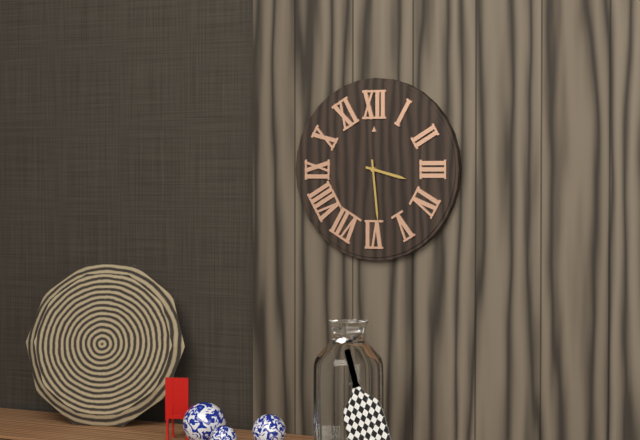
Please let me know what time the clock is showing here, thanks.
3:29
